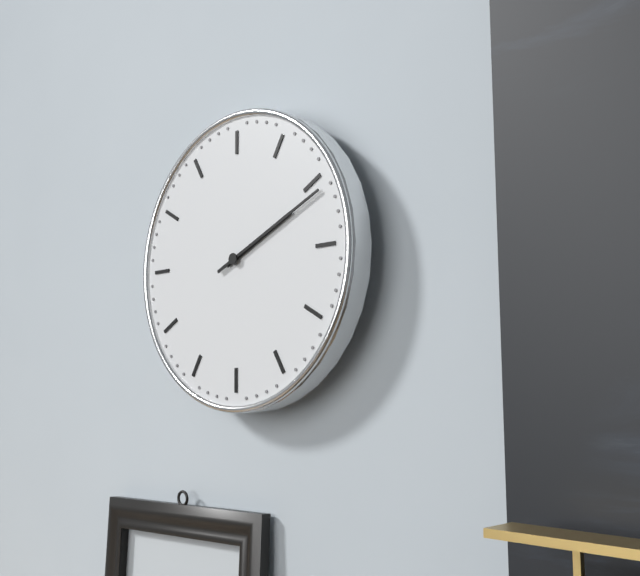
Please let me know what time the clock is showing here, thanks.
2:11
